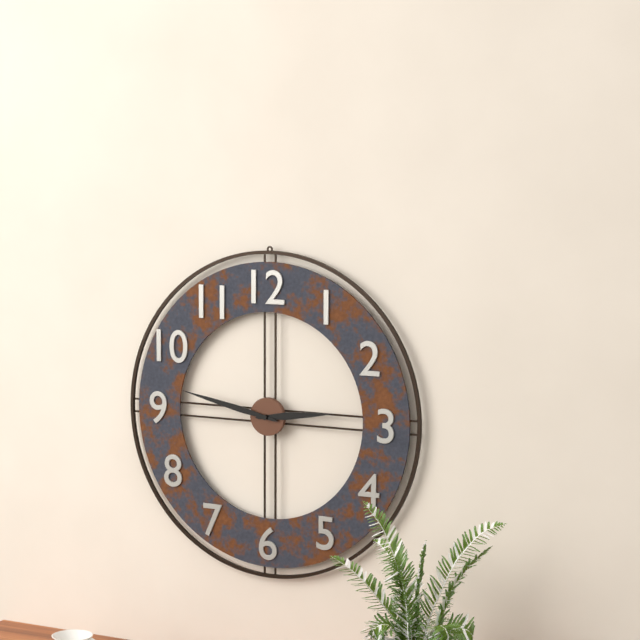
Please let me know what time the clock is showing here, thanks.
2:47
